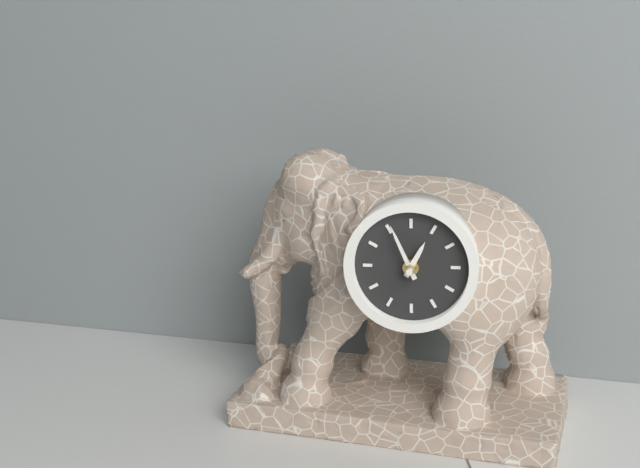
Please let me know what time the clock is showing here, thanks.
12:56
